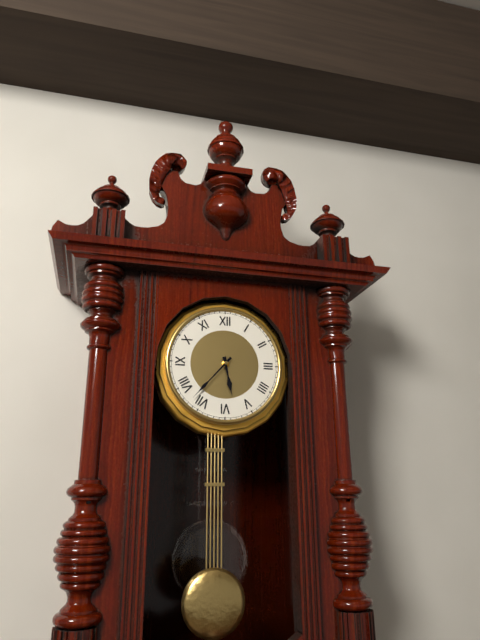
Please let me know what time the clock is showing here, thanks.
5:37
